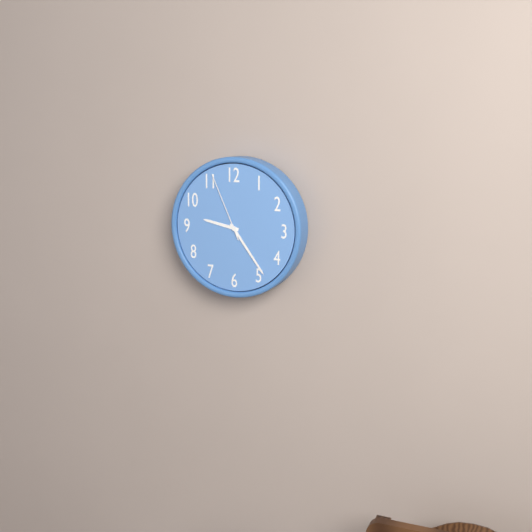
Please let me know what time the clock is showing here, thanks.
9:24:56
